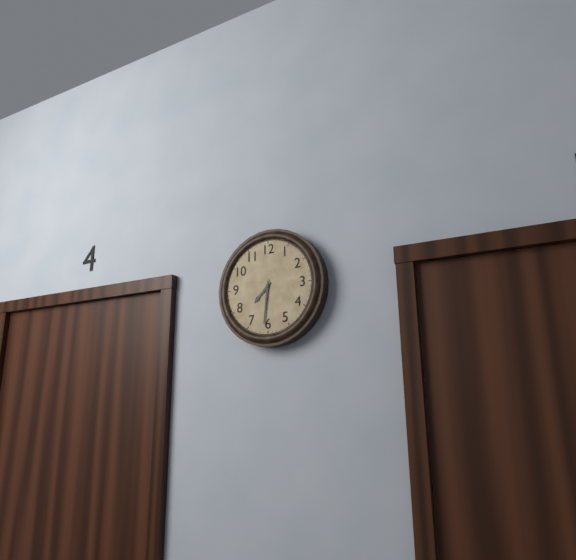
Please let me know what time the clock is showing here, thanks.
7:31
